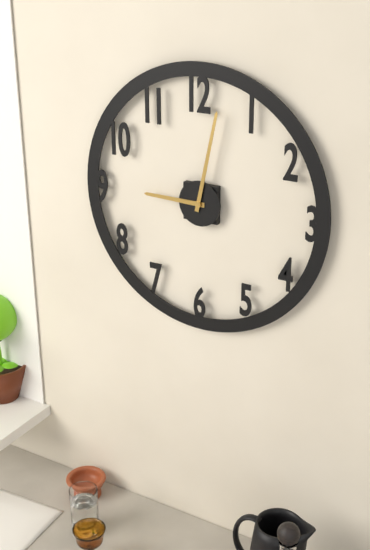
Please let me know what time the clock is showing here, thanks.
9:02
